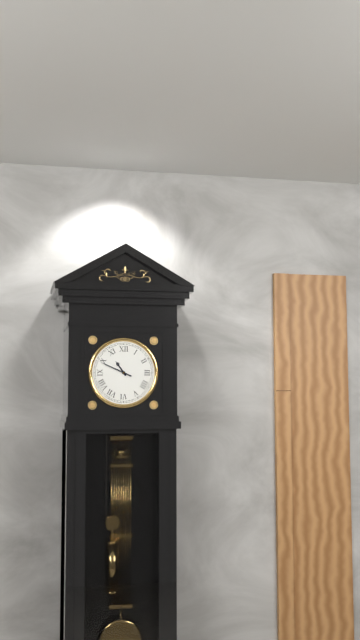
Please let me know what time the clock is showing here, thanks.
10:49
